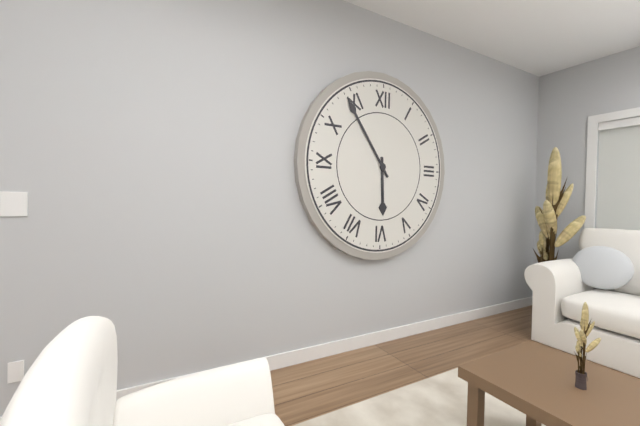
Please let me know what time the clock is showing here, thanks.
5:54
